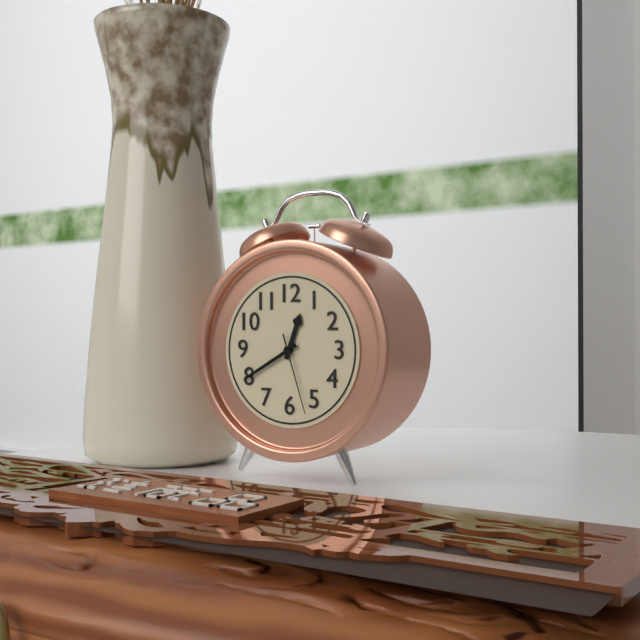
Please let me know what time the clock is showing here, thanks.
12:40:27
